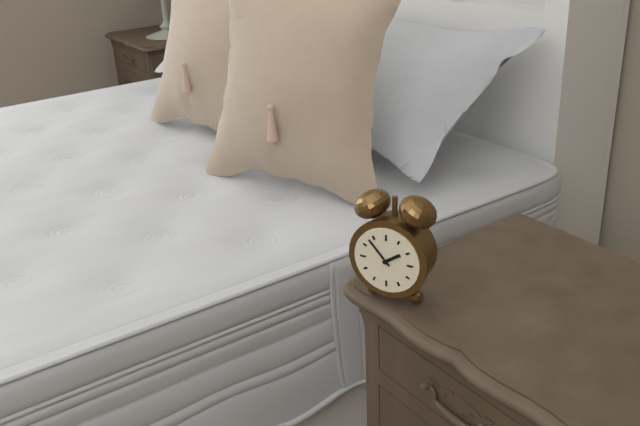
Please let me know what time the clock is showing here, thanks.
1:53
